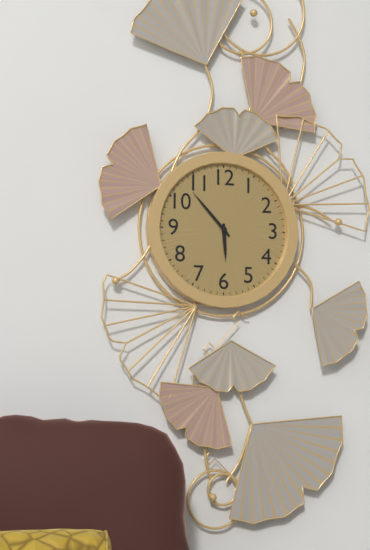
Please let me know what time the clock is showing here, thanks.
5:53
